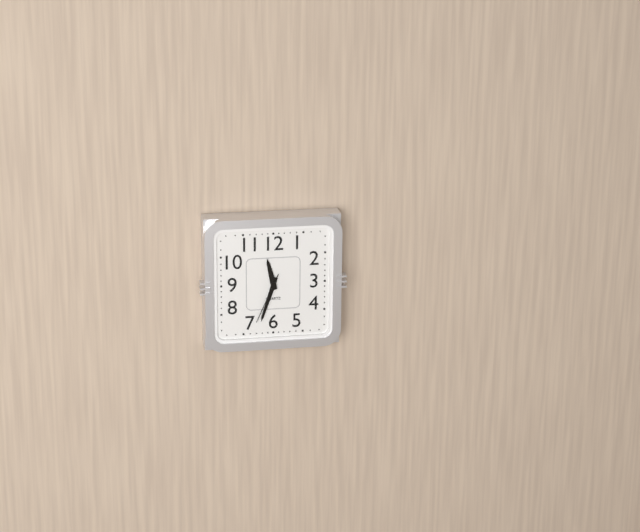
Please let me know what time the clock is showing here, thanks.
11:33:34
